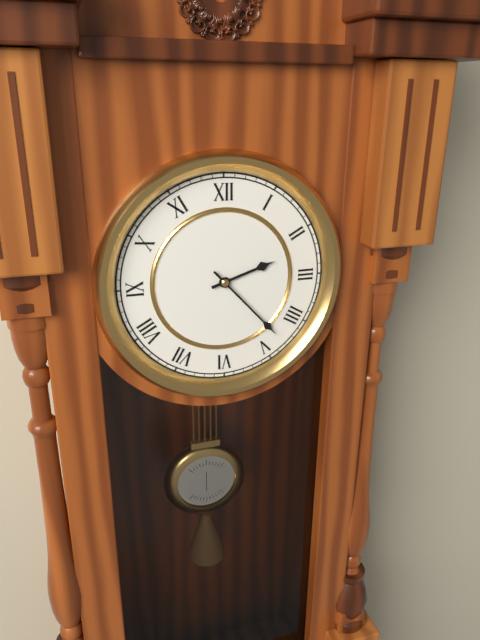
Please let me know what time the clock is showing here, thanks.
2:23
